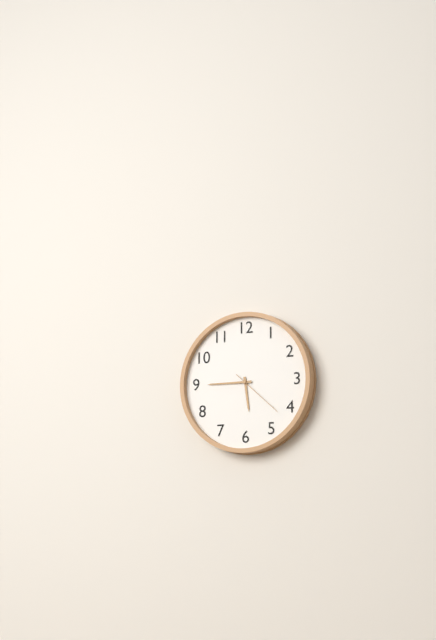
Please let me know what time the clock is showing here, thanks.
5:45:22
